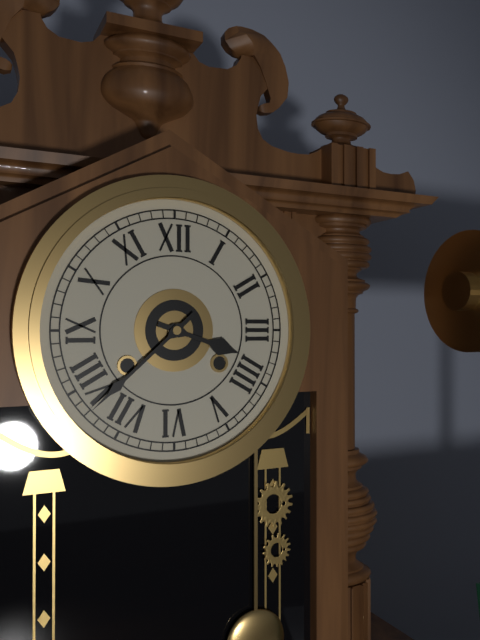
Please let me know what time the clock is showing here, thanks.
3:38
